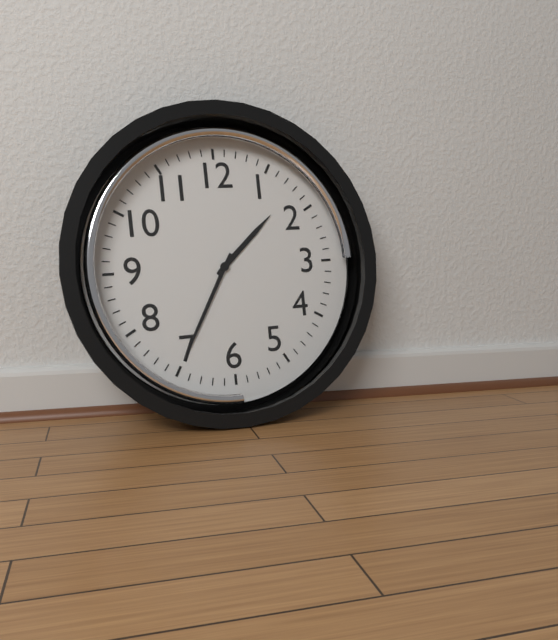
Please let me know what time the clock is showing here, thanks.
1:35
